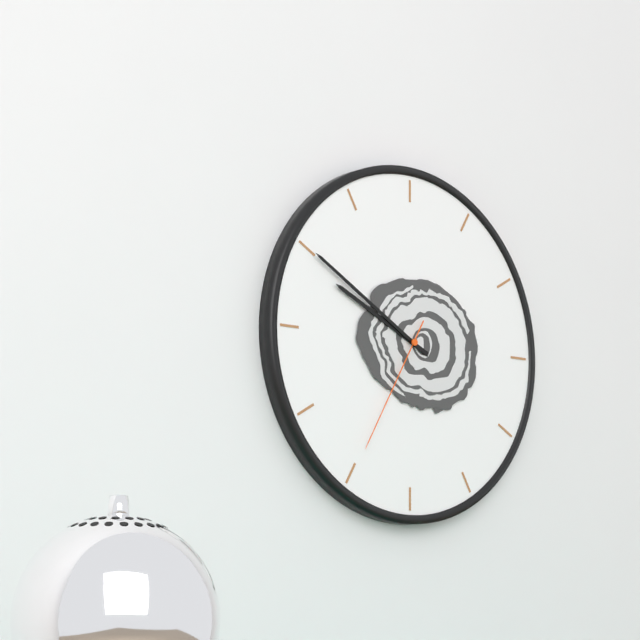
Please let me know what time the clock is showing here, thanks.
9:50:35
